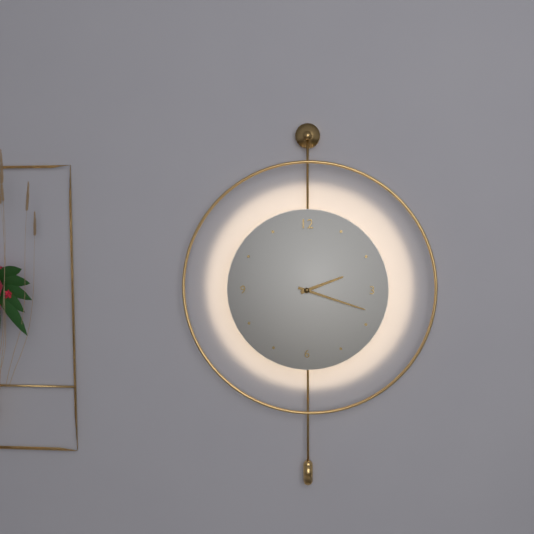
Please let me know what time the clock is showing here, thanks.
2:18
